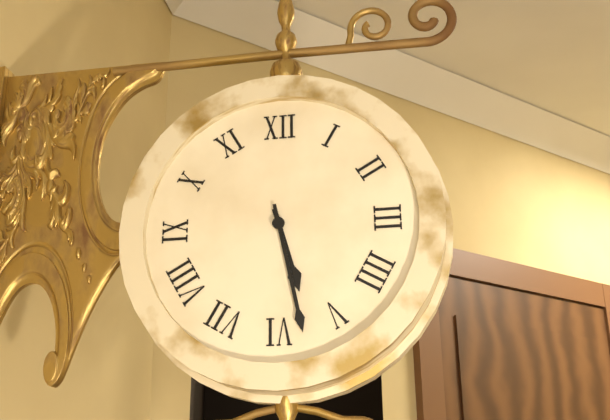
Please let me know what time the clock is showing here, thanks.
5:28
